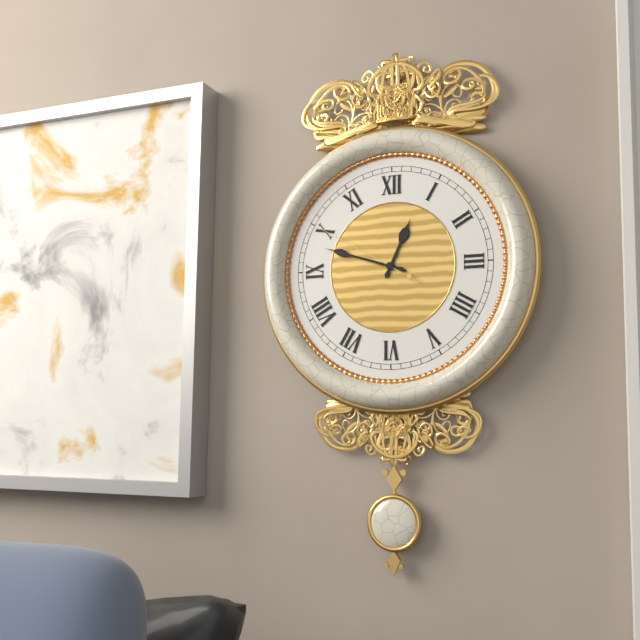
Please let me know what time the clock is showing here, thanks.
12:48:50
